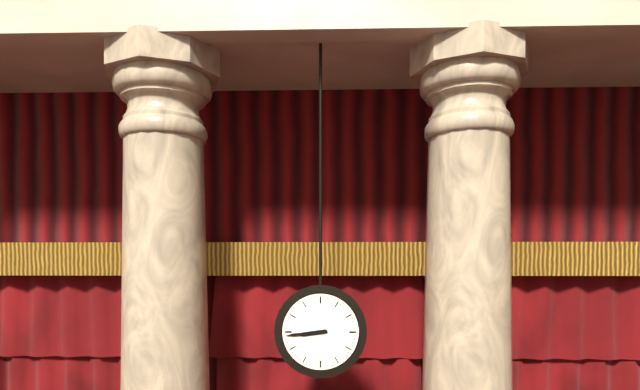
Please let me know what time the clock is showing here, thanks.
8:44
